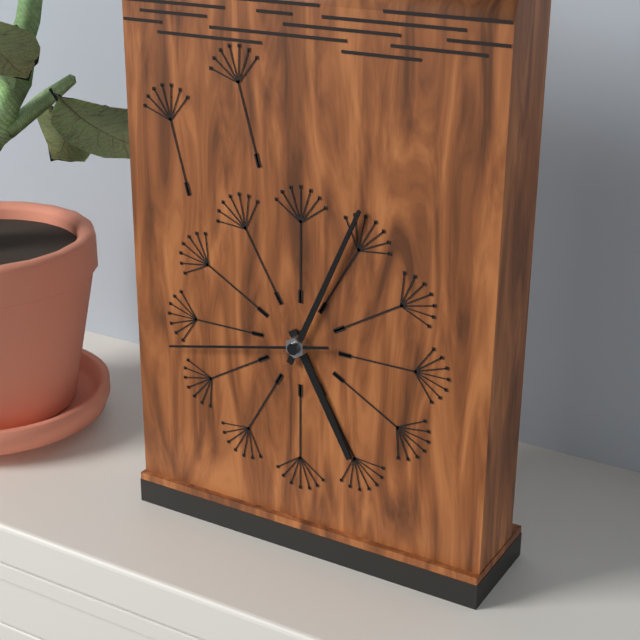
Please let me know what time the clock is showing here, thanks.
5:04:43
